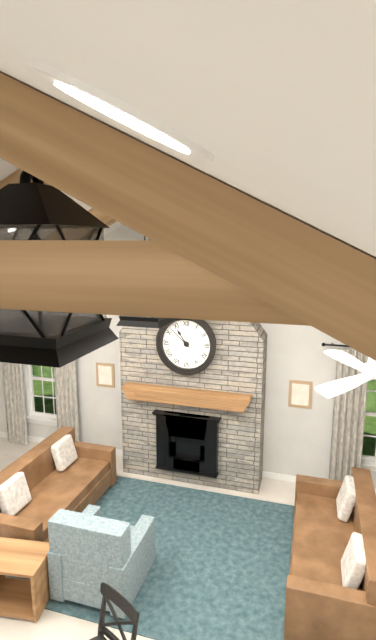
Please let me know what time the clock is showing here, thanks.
10:52
